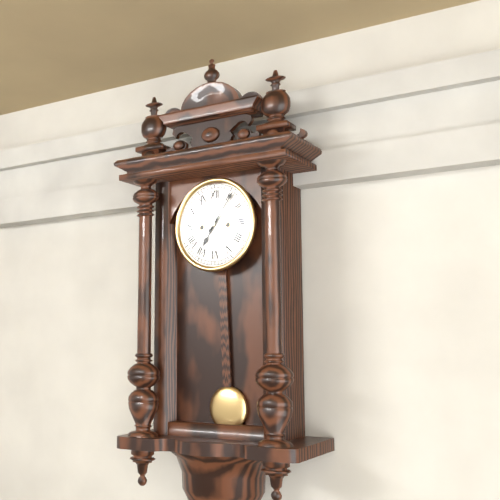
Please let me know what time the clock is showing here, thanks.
7:06
